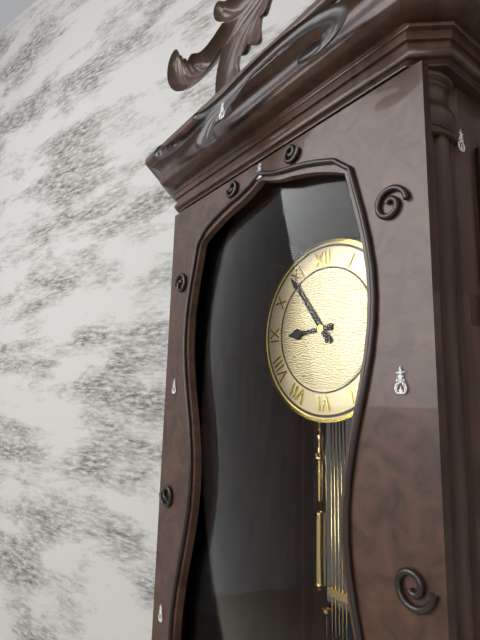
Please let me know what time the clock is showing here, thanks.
8:54
